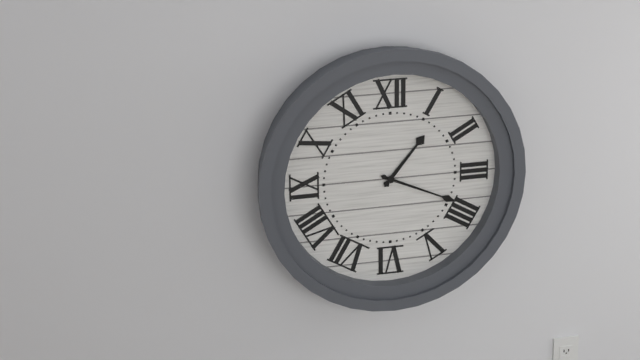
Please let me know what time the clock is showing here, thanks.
1:19
